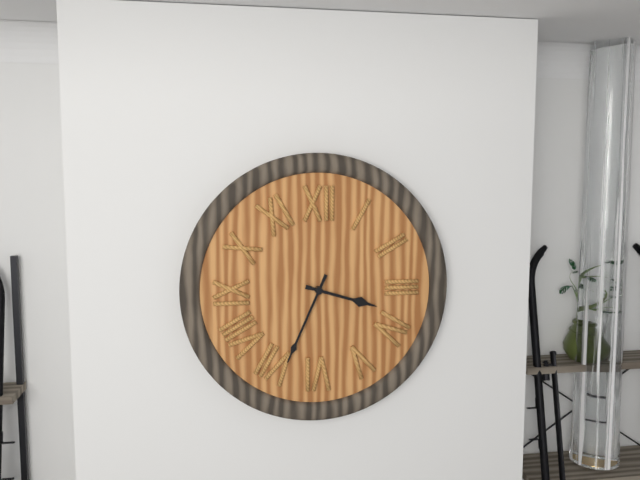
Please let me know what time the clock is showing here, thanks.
3:34
